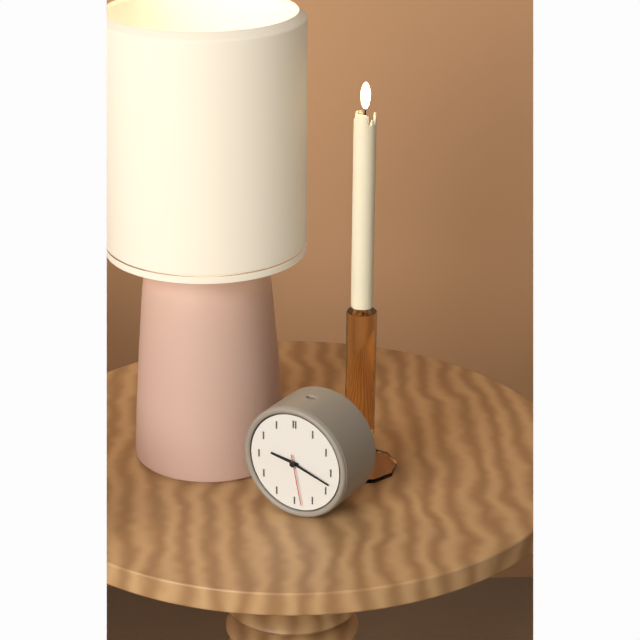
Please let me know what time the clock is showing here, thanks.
9:18:28
